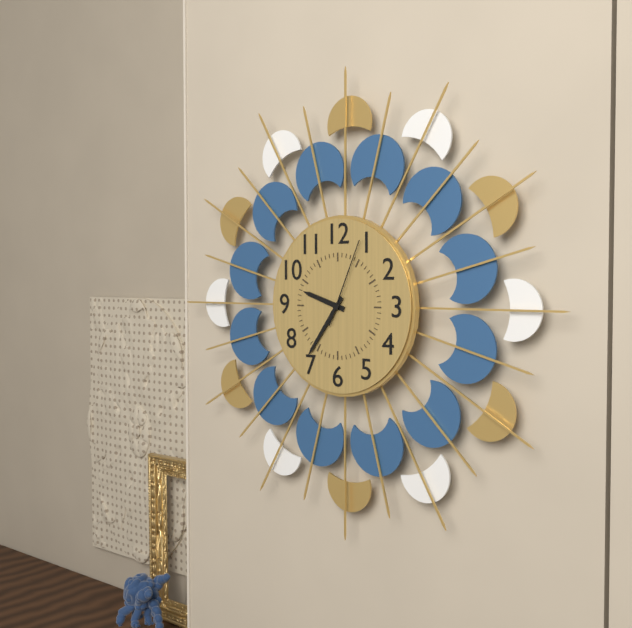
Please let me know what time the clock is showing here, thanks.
9:36:04
